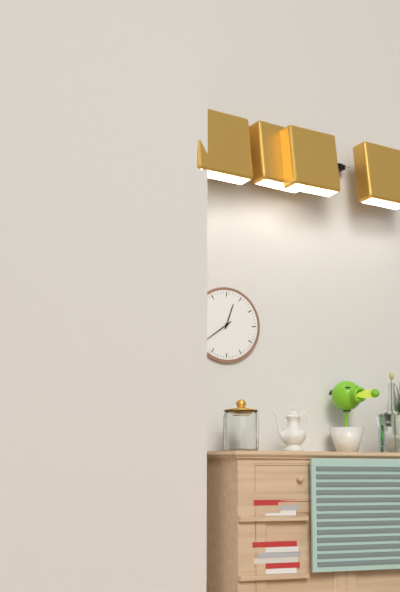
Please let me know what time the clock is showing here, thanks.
12:39
